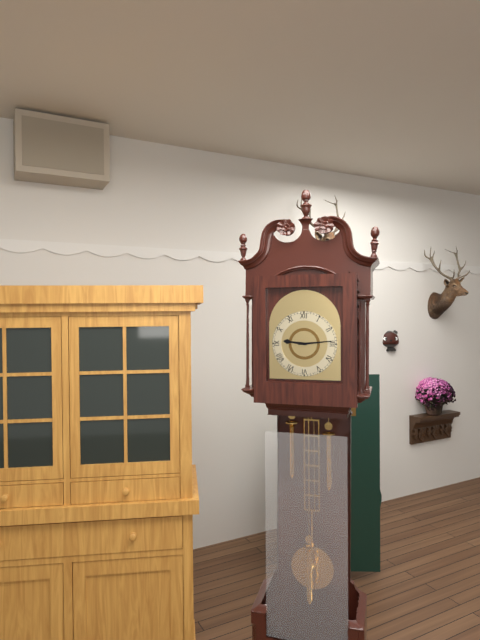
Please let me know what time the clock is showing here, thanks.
9:14
